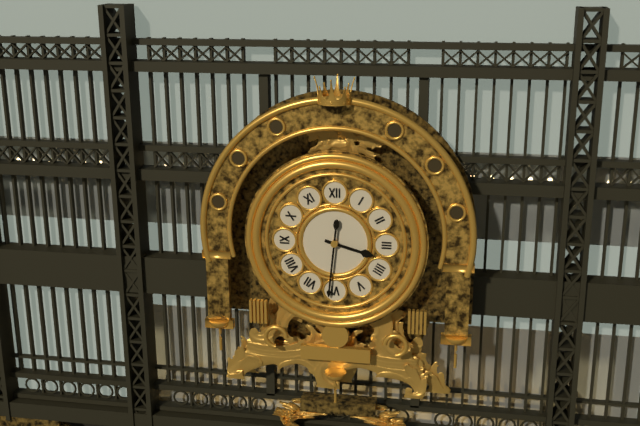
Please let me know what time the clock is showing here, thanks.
3:31
